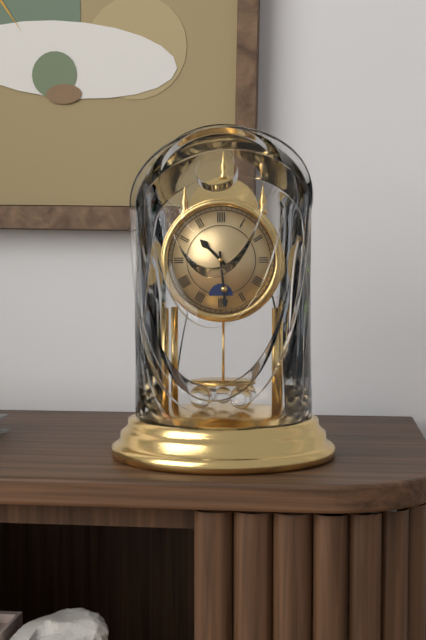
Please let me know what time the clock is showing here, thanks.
10:29
